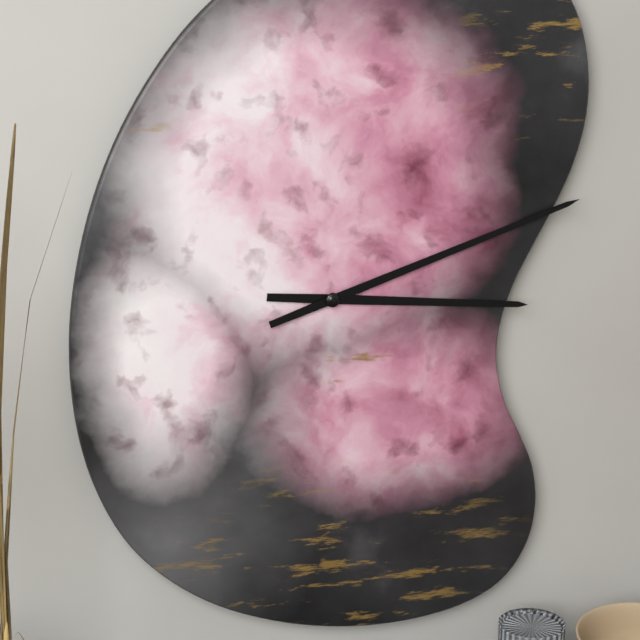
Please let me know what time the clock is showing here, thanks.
3:12
